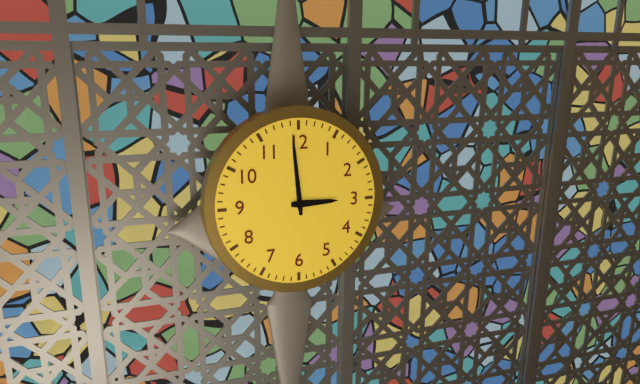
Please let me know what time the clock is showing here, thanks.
2:59
